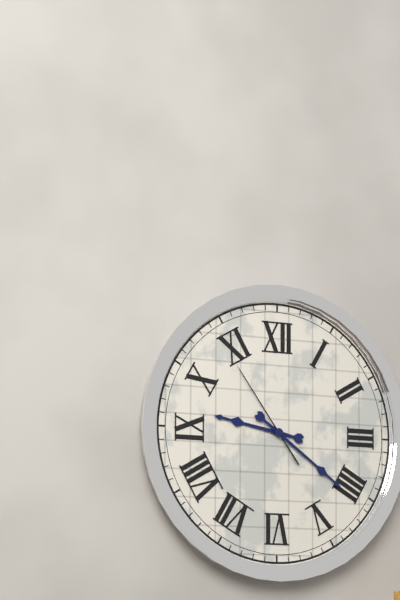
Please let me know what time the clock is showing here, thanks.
9:21:54
